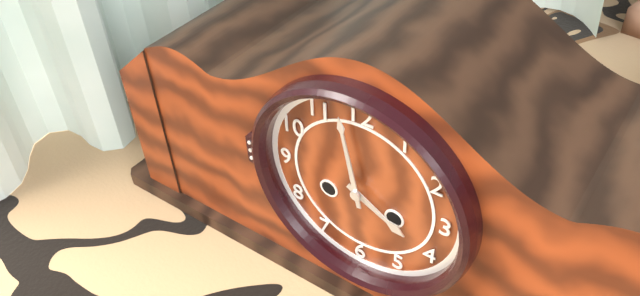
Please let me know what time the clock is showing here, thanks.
3:58
